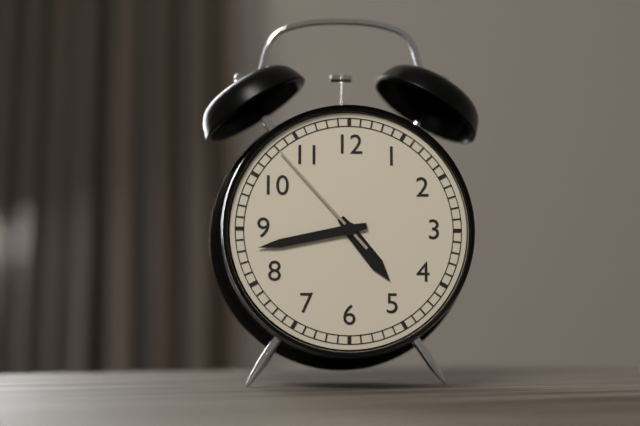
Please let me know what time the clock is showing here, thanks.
4:43:53
